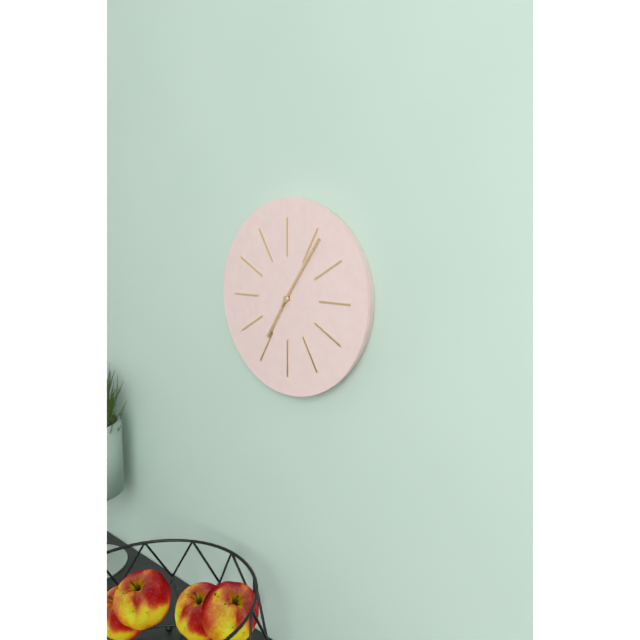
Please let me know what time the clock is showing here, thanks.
7:06
